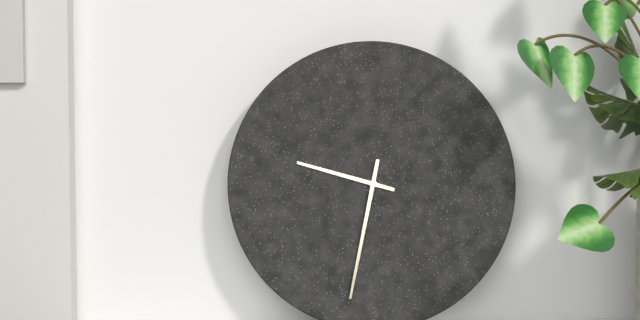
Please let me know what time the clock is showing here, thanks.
9:32
